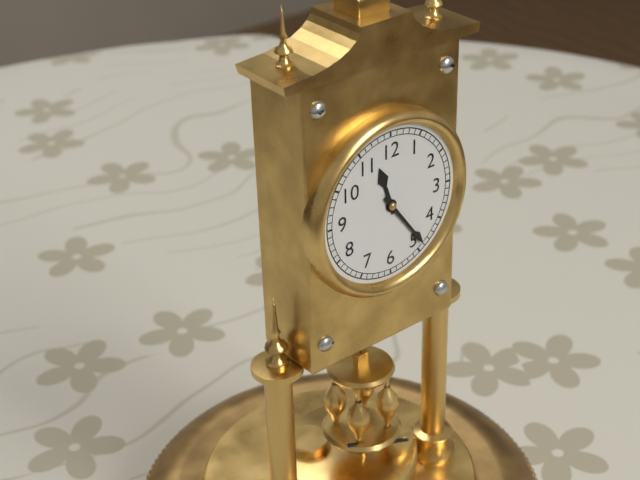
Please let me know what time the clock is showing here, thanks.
11:24
